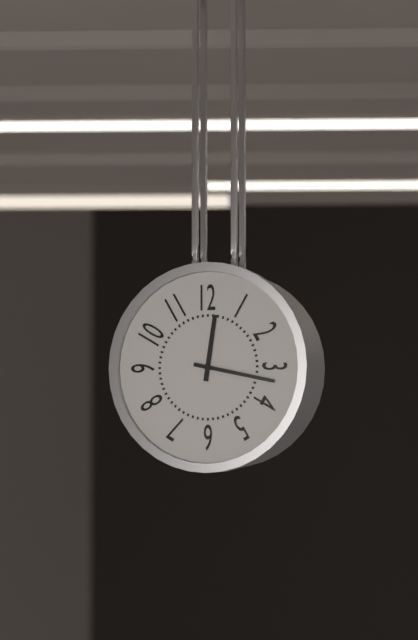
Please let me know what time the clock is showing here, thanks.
12:17
